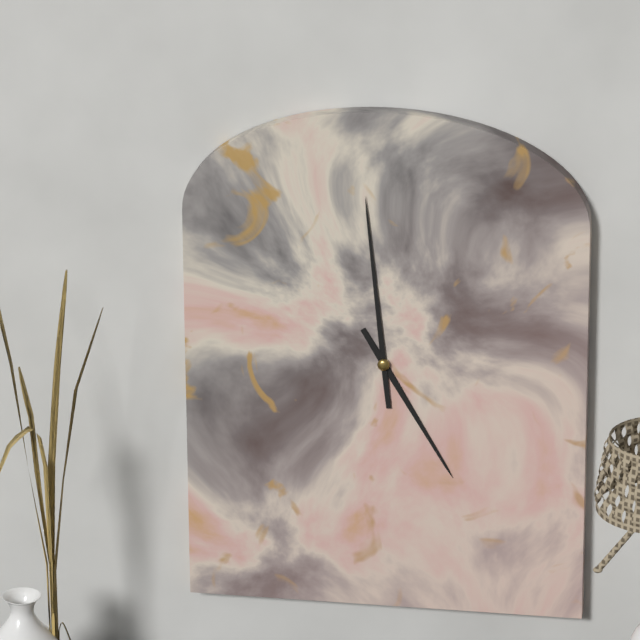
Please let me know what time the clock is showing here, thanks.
4:59
